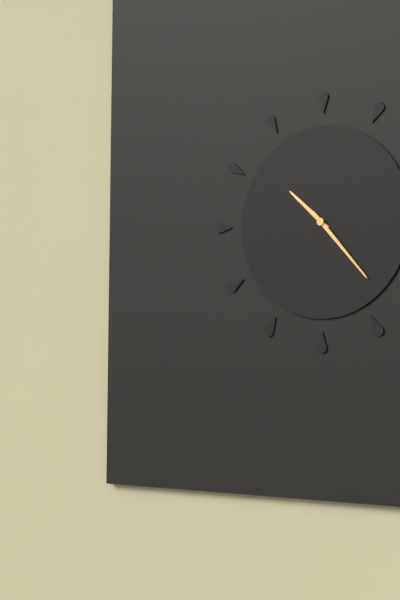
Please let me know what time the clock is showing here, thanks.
10:23
